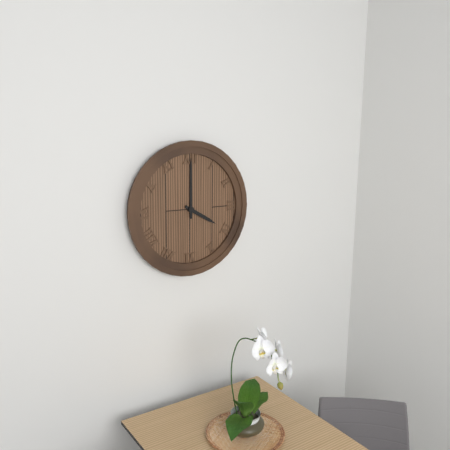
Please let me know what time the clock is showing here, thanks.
4:00
